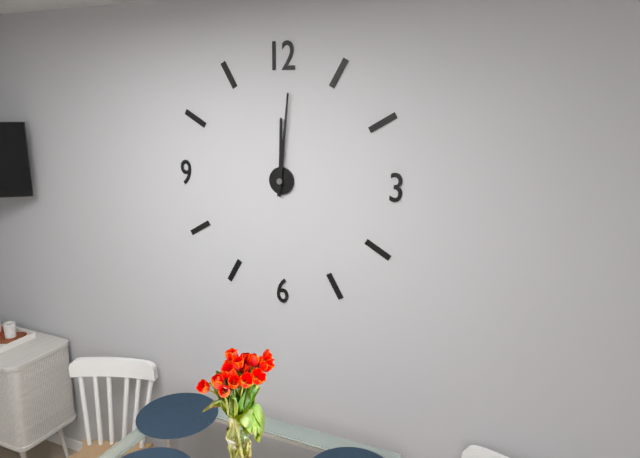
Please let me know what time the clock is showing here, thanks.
12:01
